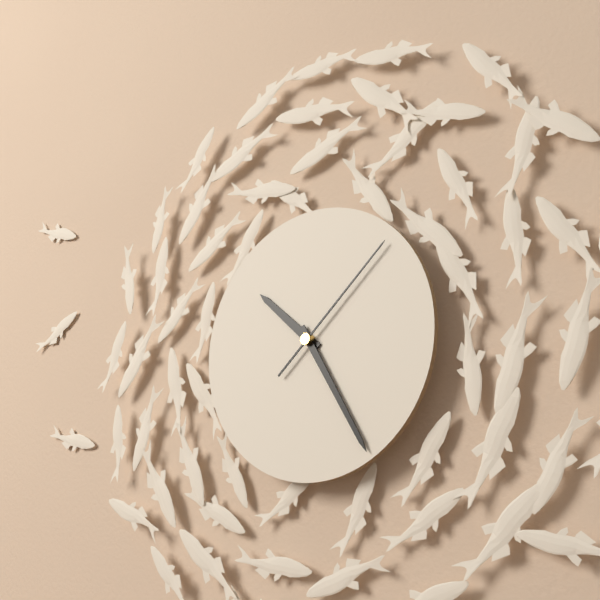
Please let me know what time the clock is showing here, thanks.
10:25:08
